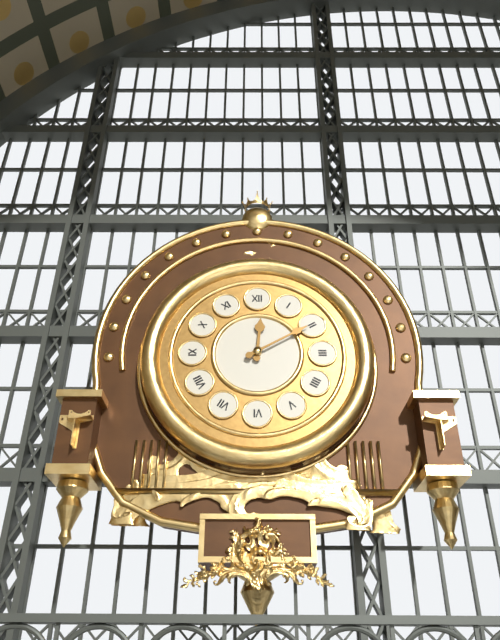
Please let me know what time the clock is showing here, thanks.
12:10
